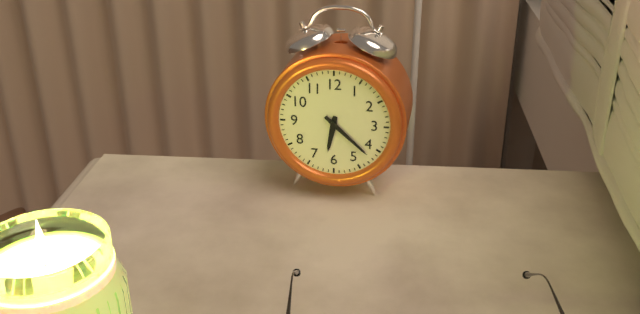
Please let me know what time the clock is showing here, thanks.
6:22
